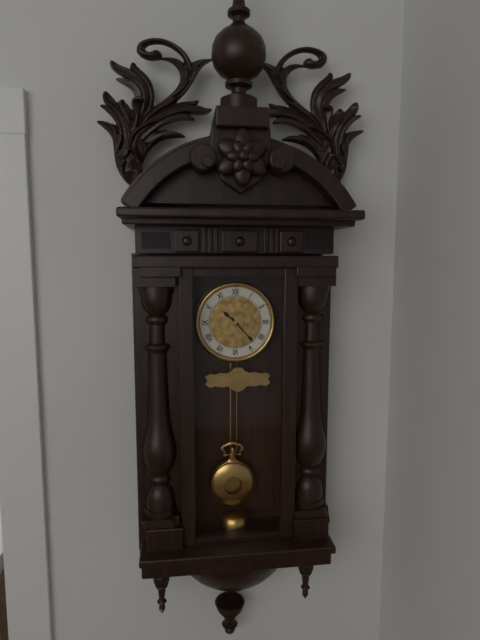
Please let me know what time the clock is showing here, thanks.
10:23
